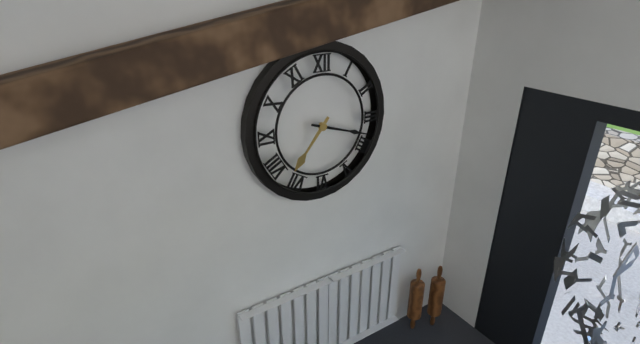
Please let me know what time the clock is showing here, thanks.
7:18
